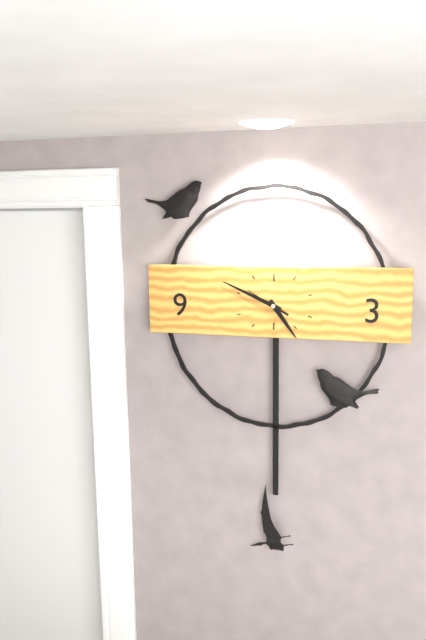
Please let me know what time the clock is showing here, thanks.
4:49
